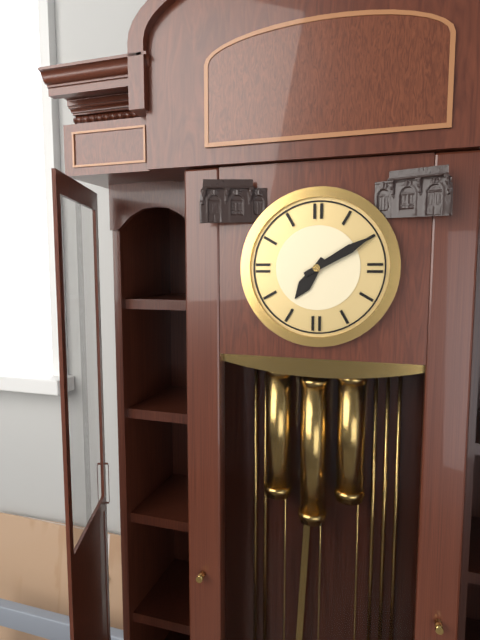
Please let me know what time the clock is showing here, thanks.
7:10
